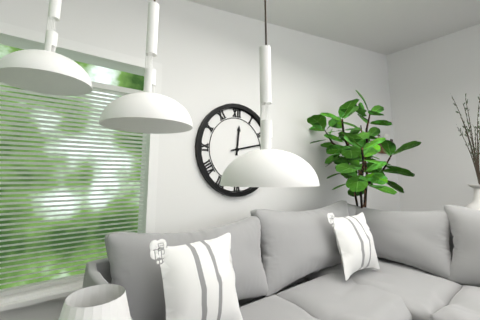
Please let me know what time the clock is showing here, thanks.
12:13
